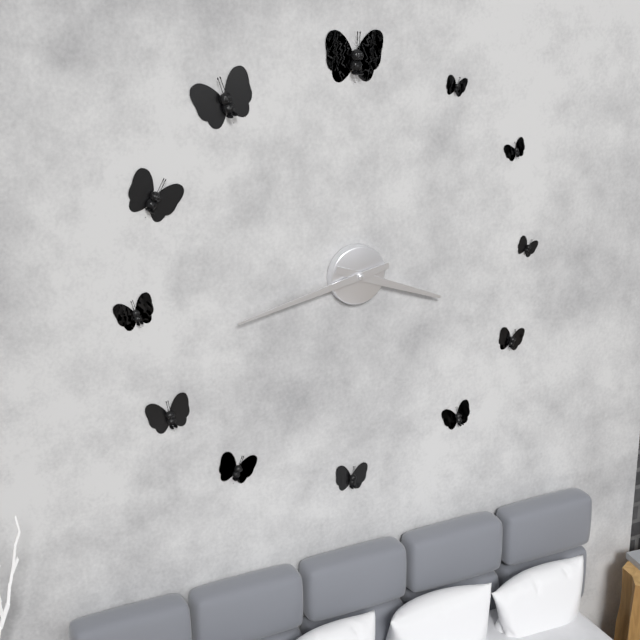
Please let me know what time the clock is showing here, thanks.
3:43
